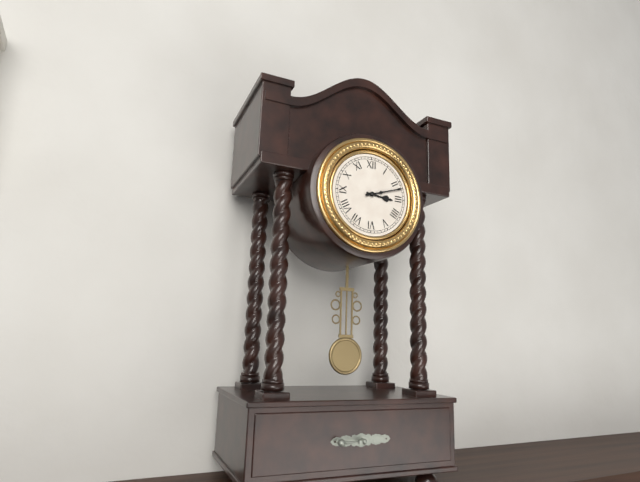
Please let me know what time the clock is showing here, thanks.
3:12
